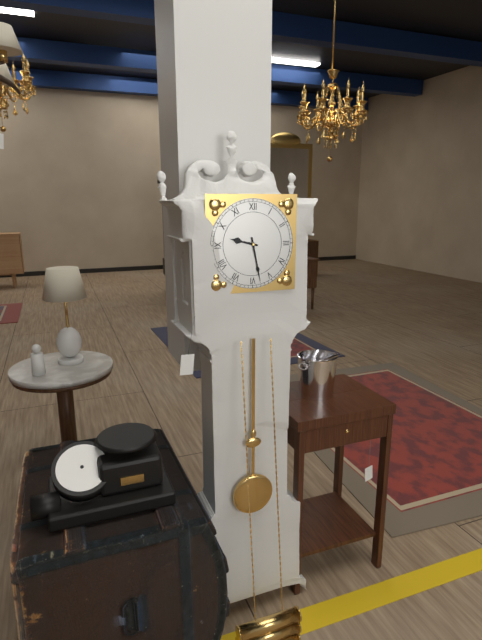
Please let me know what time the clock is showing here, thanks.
9:28
